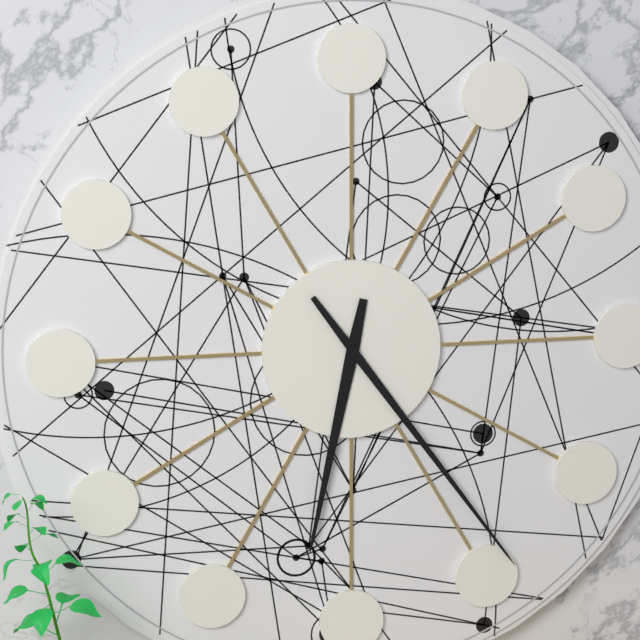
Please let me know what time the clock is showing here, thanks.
6:24
